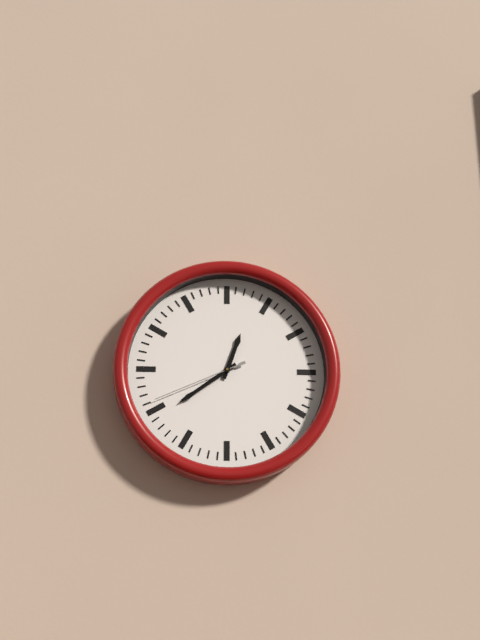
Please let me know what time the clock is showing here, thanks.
12:39:41
